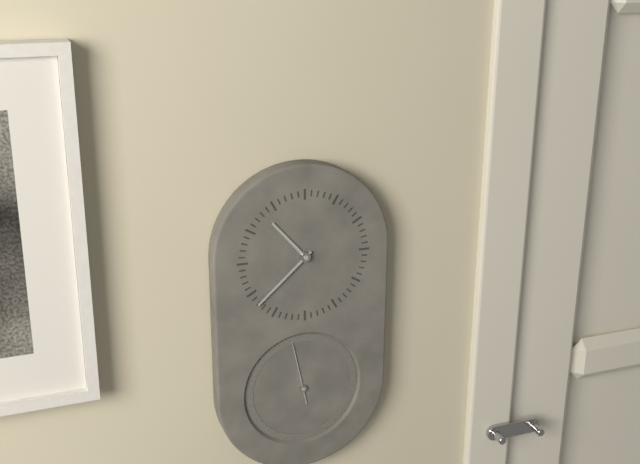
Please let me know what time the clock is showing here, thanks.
10:38:58
